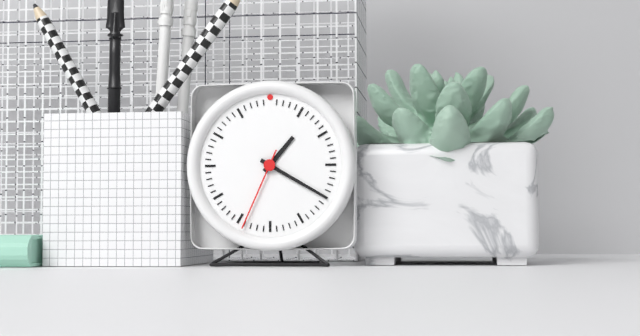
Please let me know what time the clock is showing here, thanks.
1:20:34
